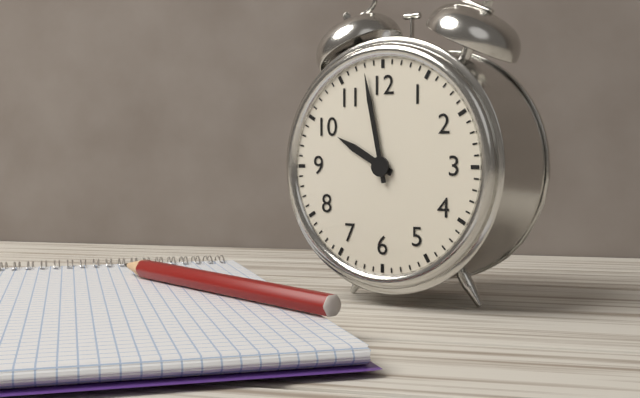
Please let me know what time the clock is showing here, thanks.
9:58
